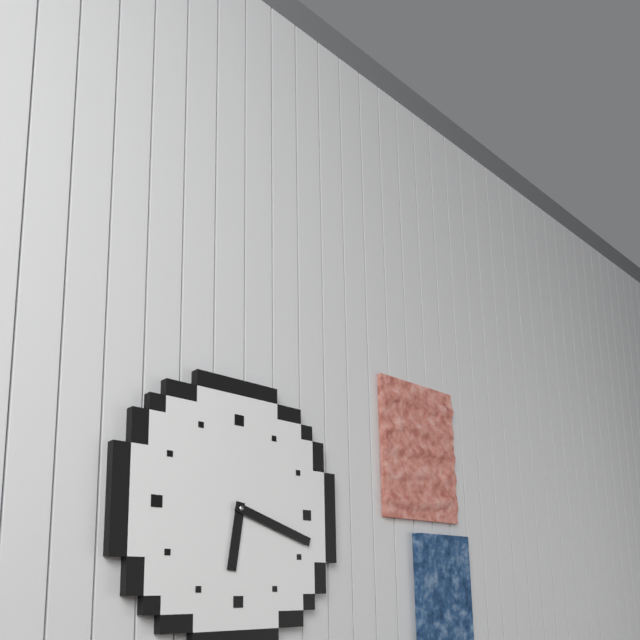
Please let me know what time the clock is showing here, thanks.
6:18
